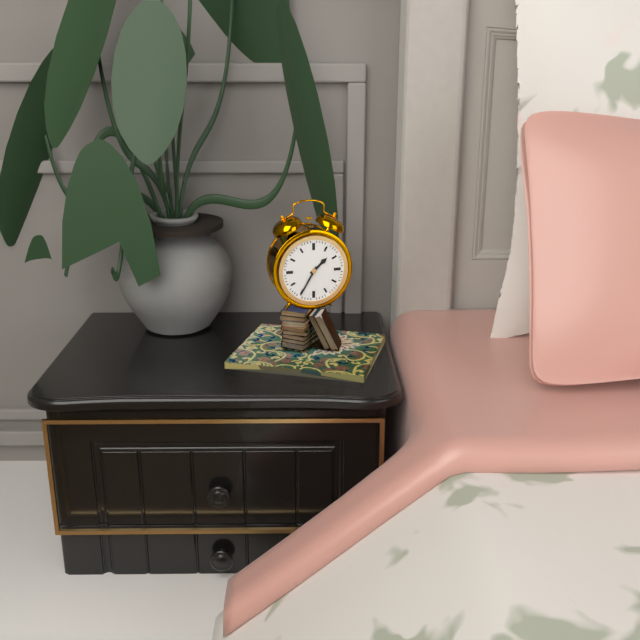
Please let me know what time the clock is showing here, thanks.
1:35
